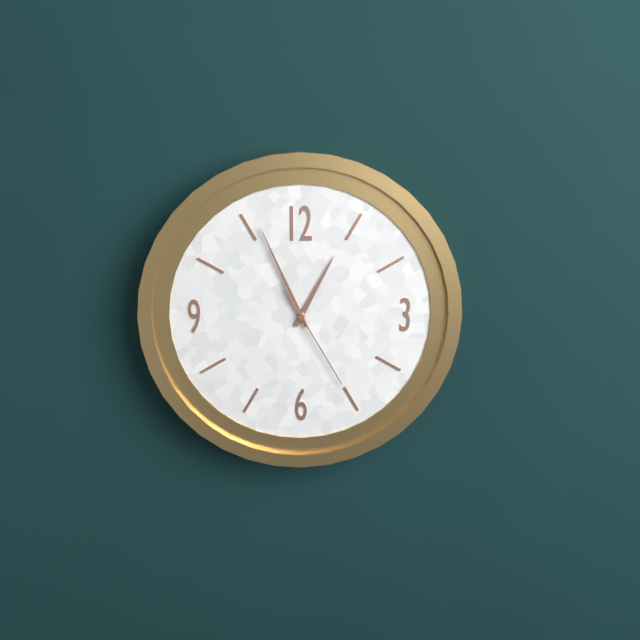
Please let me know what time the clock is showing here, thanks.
12:56:25
